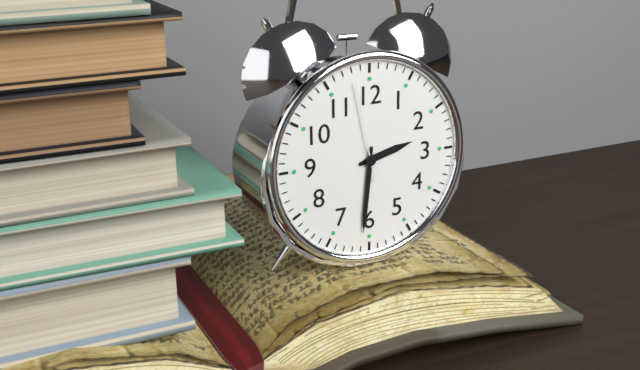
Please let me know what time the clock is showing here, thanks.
2:31:58
